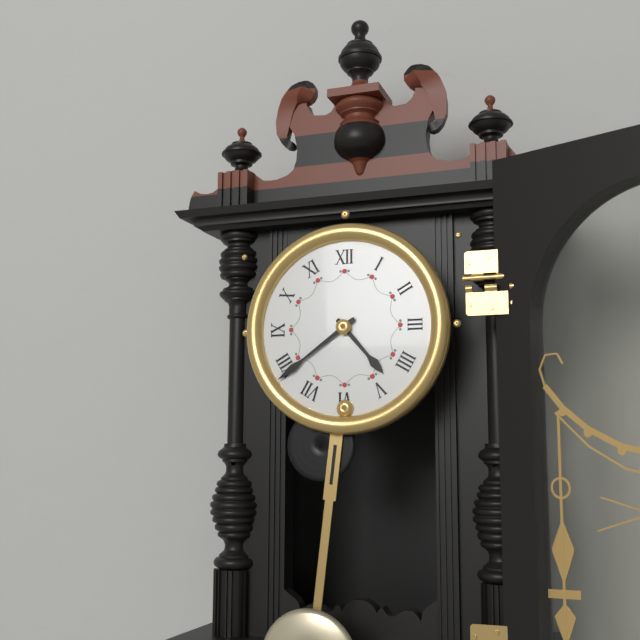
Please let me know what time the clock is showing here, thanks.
4:39
